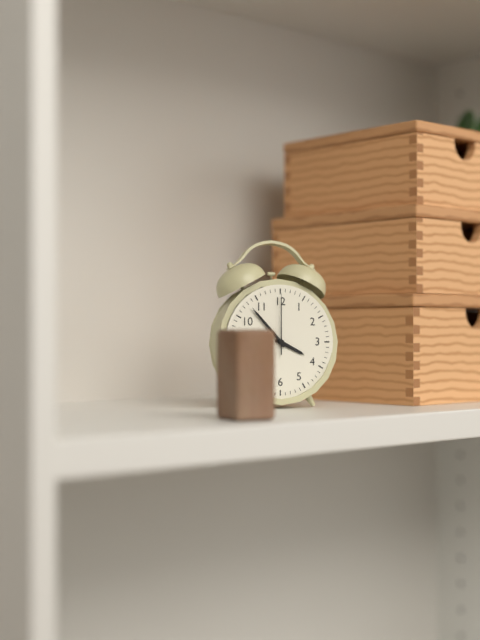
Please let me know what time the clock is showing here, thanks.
3:53:00
